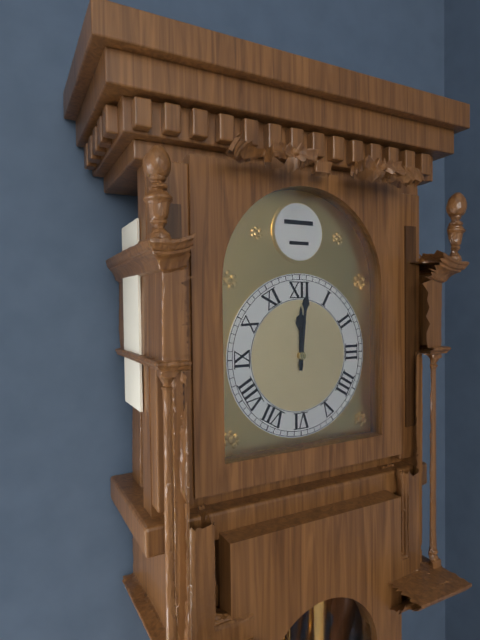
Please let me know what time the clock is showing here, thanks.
12:01
